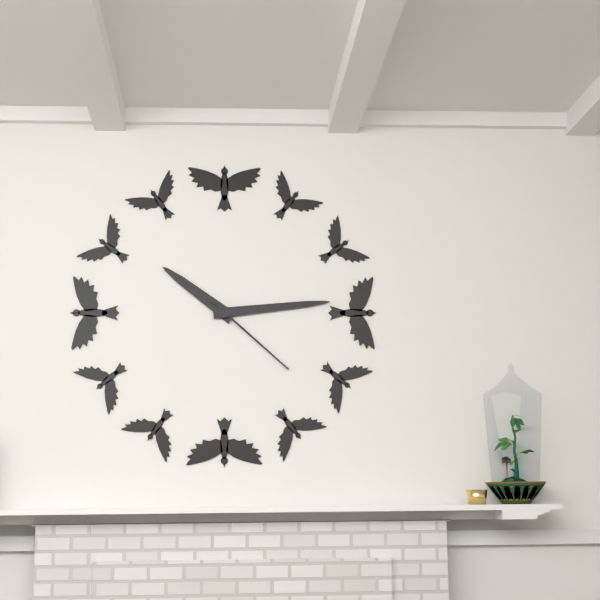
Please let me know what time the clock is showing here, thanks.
10:14:22
